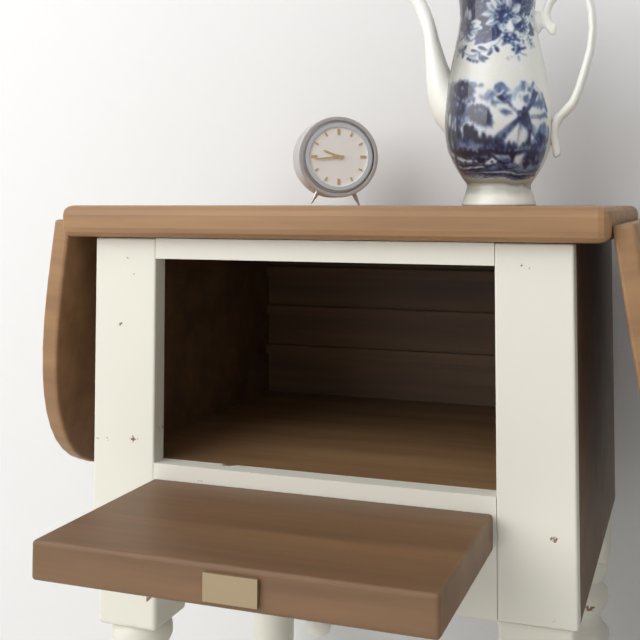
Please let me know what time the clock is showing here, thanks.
9:44
